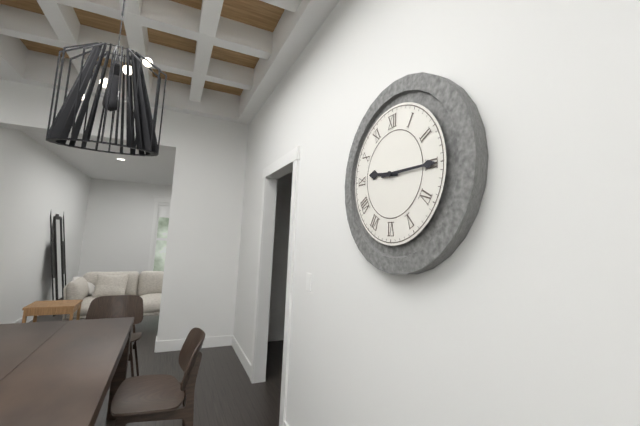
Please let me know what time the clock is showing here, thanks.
9:15
